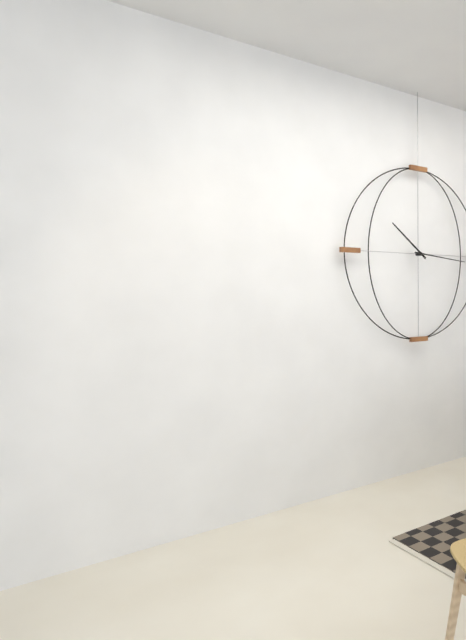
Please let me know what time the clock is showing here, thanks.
10:16
